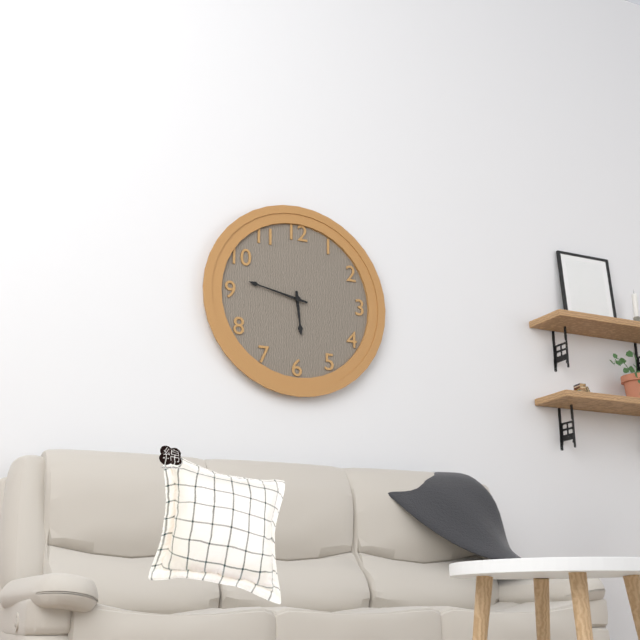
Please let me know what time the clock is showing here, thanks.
5:47
